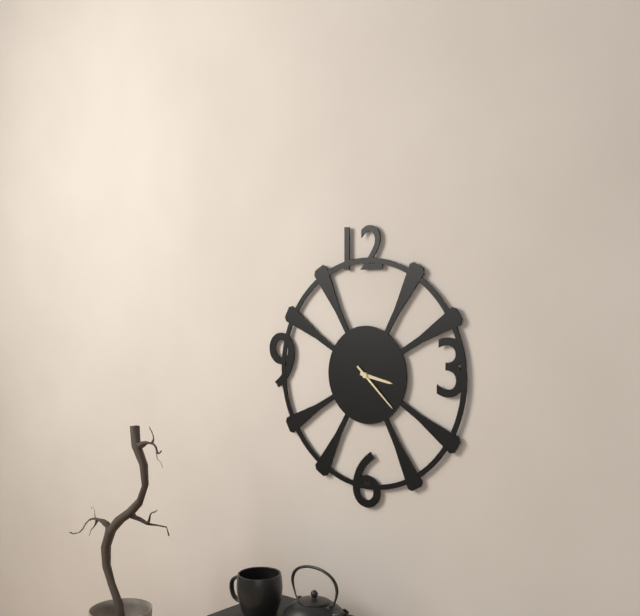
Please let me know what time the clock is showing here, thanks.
3:22
